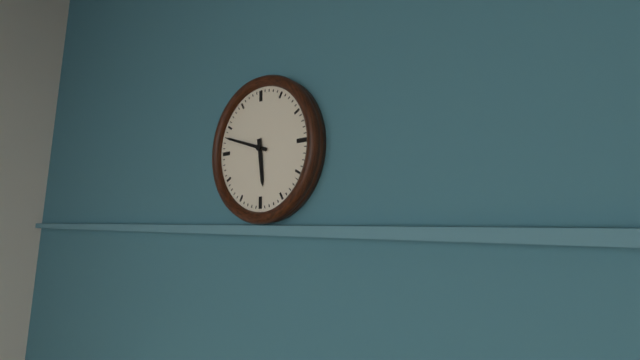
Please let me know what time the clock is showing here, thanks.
5:48
